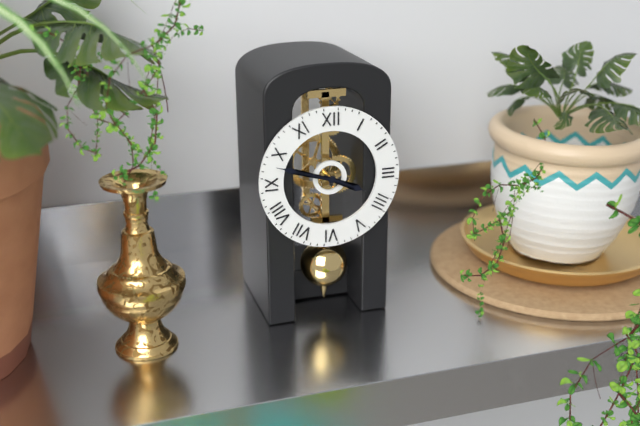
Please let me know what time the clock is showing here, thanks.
3:48
